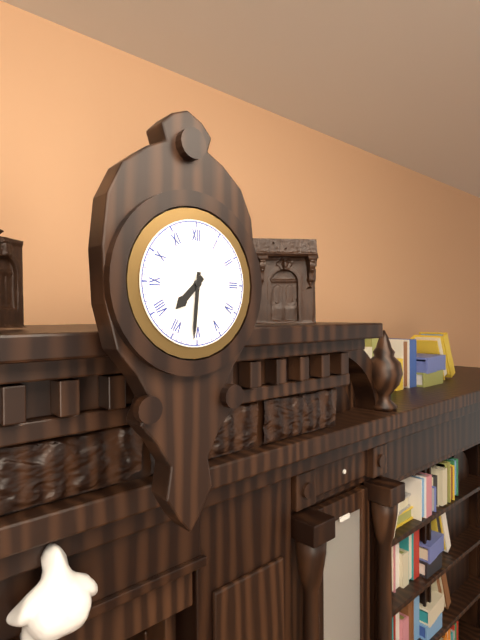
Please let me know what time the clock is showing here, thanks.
7:31
